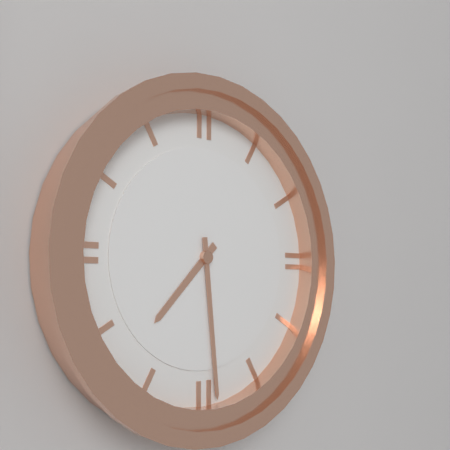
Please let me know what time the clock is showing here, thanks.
7:29
